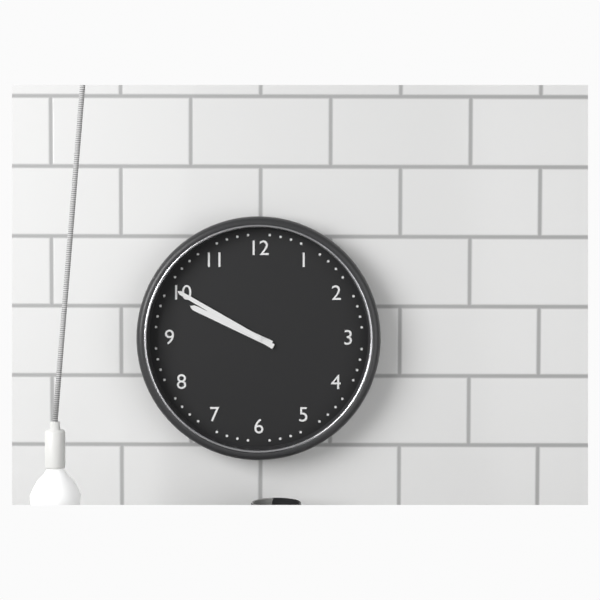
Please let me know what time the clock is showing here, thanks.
9:50
